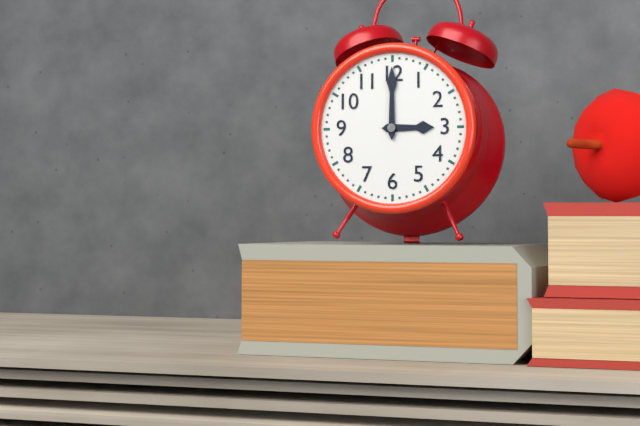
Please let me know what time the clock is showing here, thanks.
3:00
